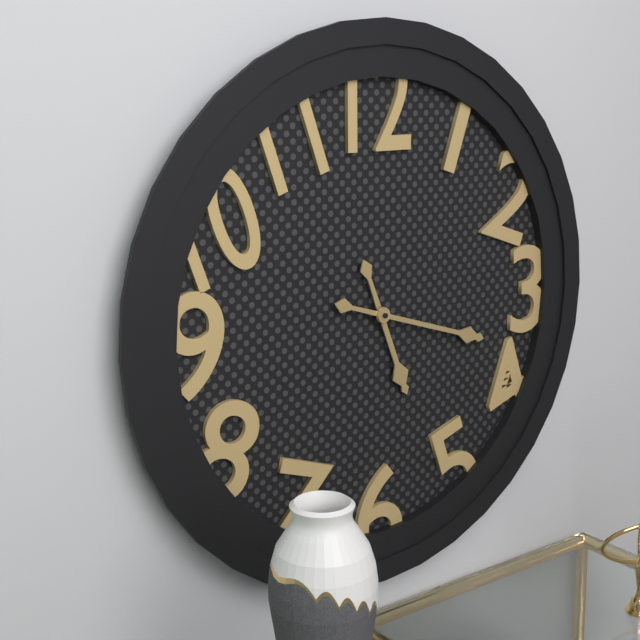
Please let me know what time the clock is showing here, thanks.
5:18
